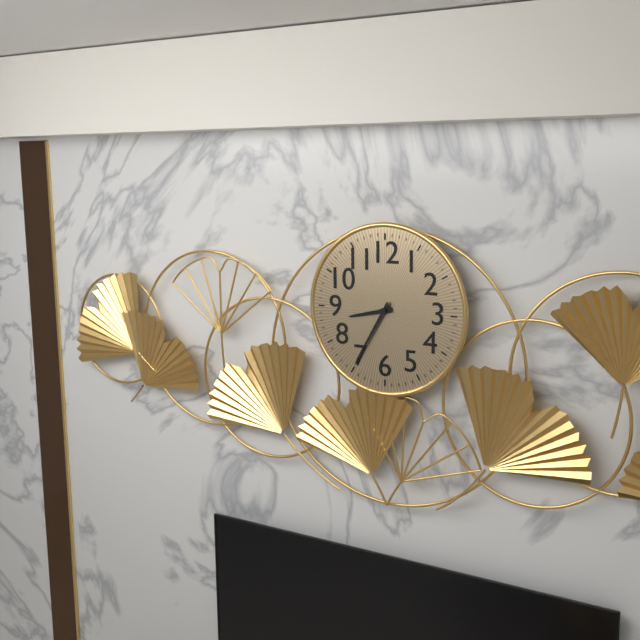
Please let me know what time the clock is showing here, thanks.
8:35
